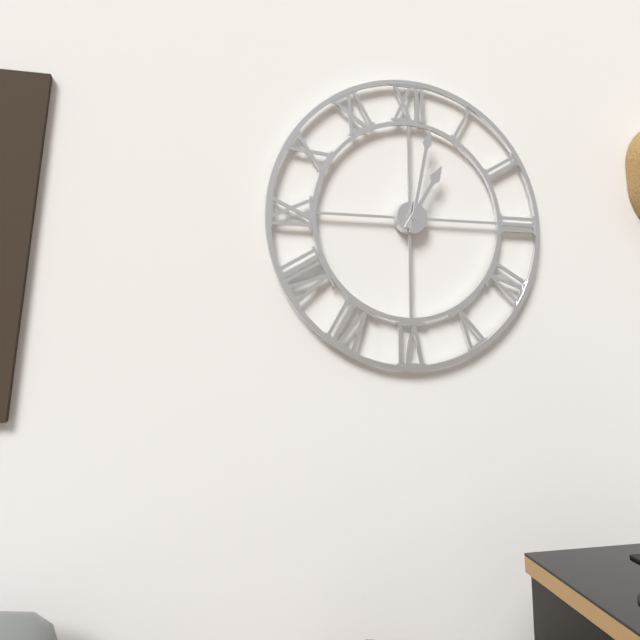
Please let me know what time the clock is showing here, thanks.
1:02
